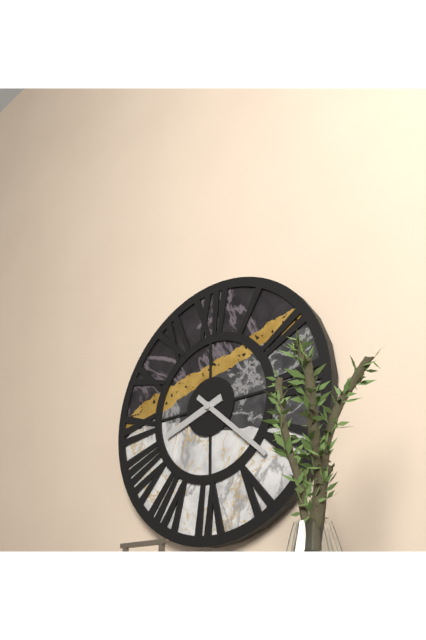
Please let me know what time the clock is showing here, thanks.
8:22
